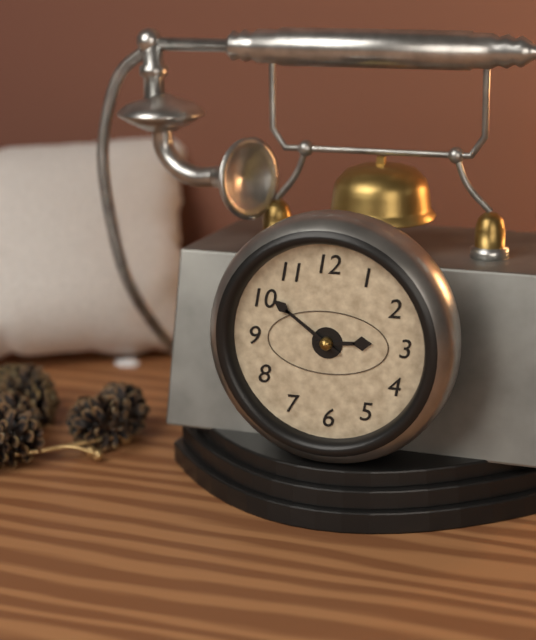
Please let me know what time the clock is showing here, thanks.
2:51
